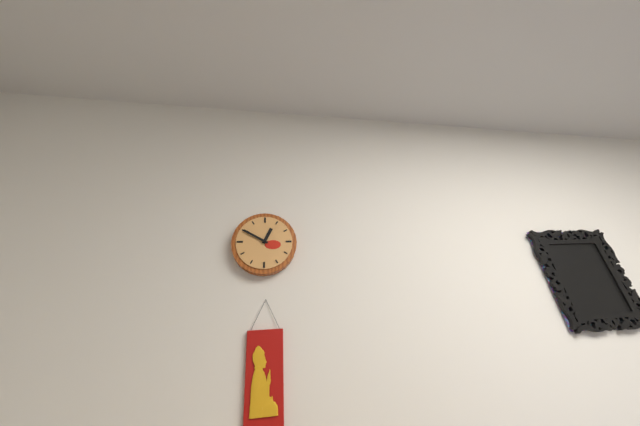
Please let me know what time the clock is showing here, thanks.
12:50
